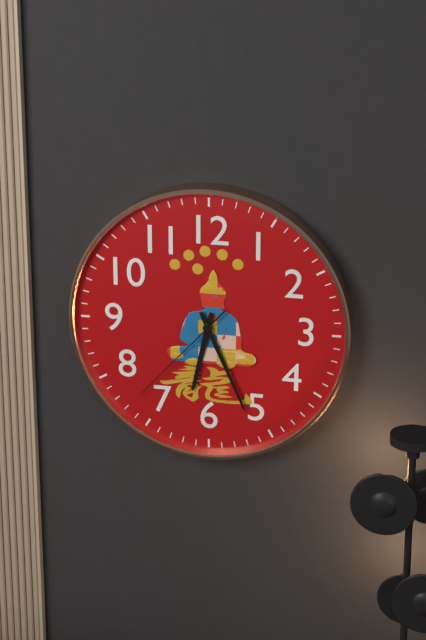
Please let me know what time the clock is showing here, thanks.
6:26:37
